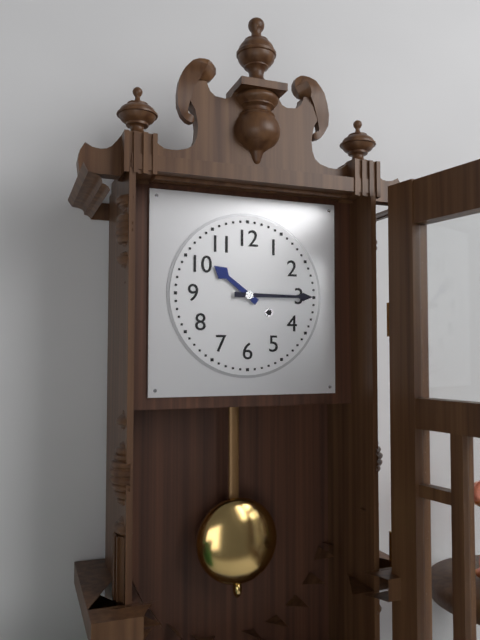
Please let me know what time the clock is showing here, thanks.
10:15
